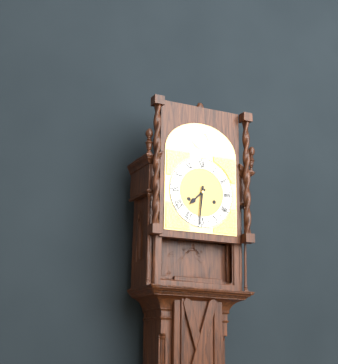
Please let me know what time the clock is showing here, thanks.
7:31
